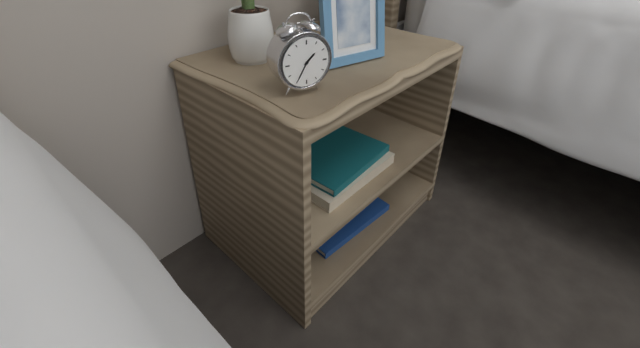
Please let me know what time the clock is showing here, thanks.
1:35
